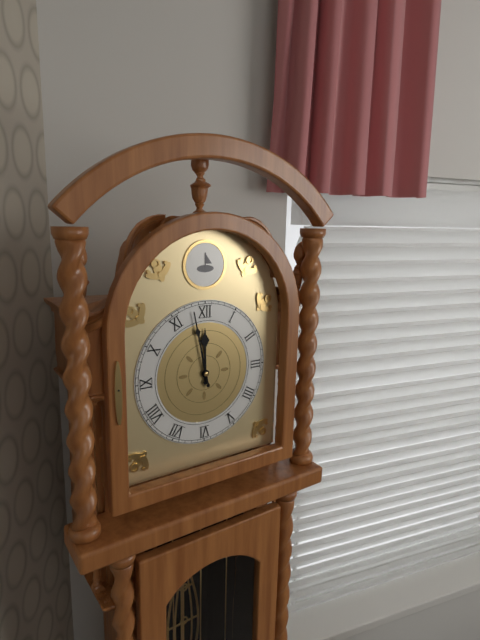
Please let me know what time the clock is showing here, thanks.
11:58
